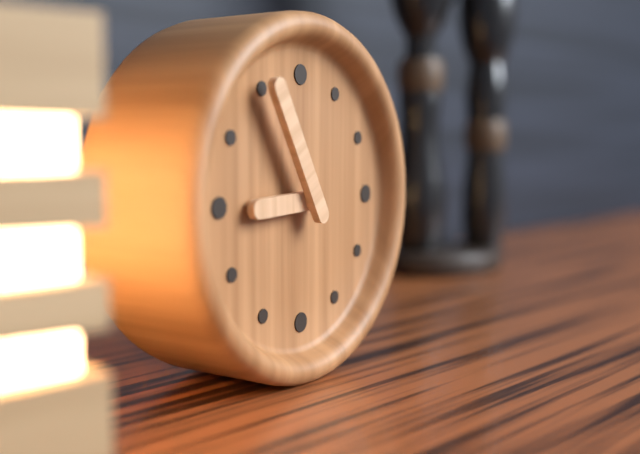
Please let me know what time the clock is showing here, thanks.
8:55
